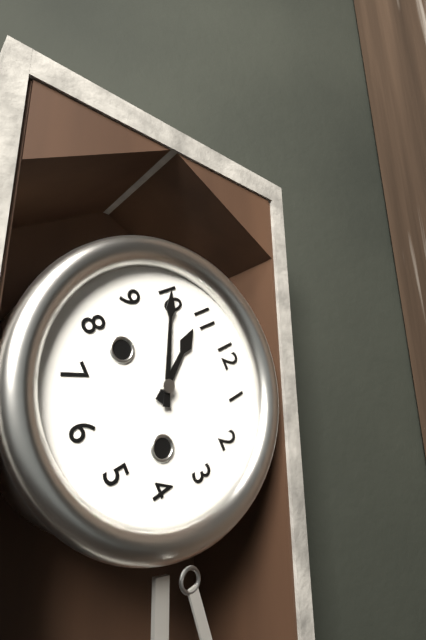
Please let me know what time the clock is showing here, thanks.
10:50
